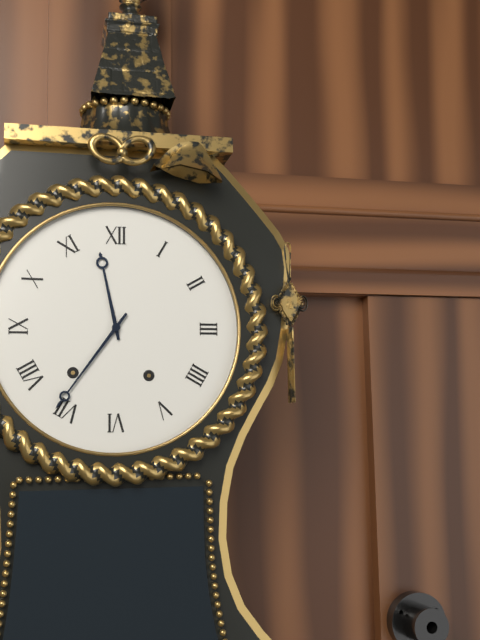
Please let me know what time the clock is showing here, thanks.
11:36
